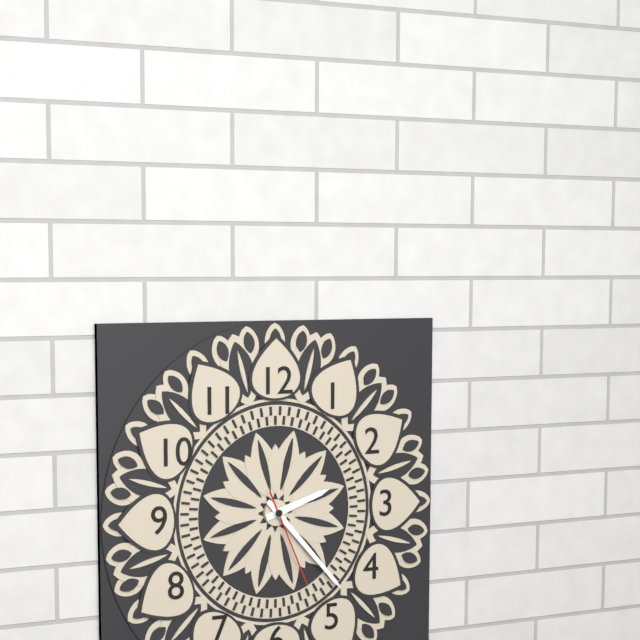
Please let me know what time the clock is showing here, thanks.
2:23:26
